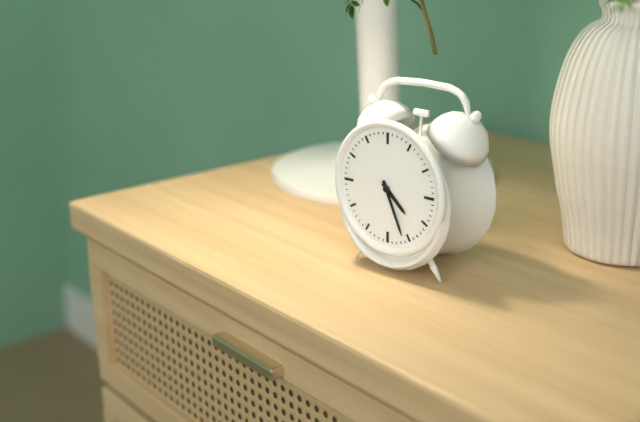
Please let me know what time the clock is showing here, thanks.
4:26
